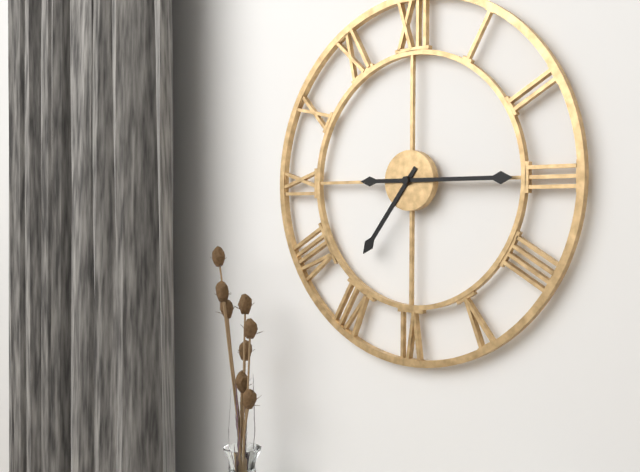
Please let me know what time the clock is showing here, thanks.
7:15
